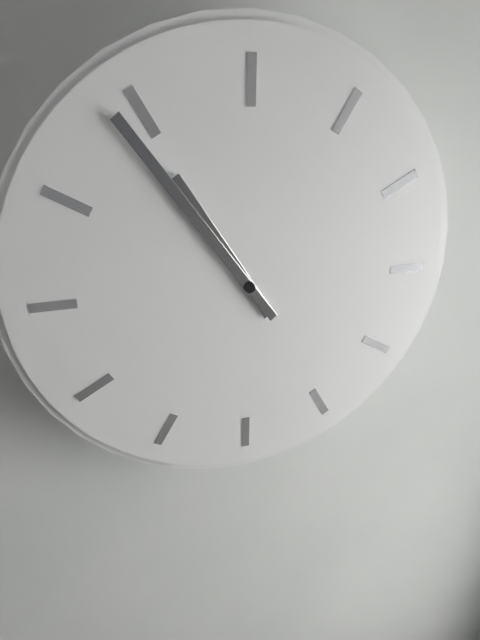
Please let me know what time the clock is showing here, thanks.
10:54
